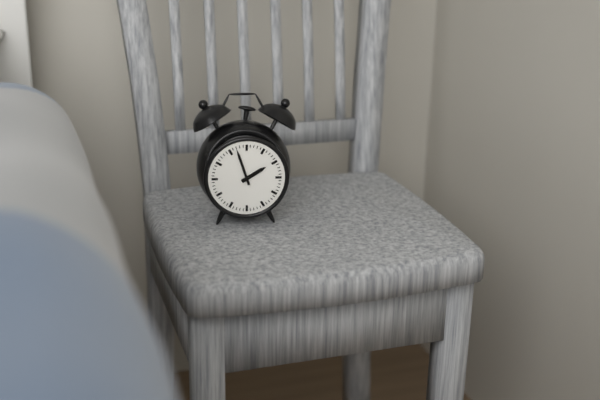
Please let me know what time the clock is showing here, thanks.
1:57
